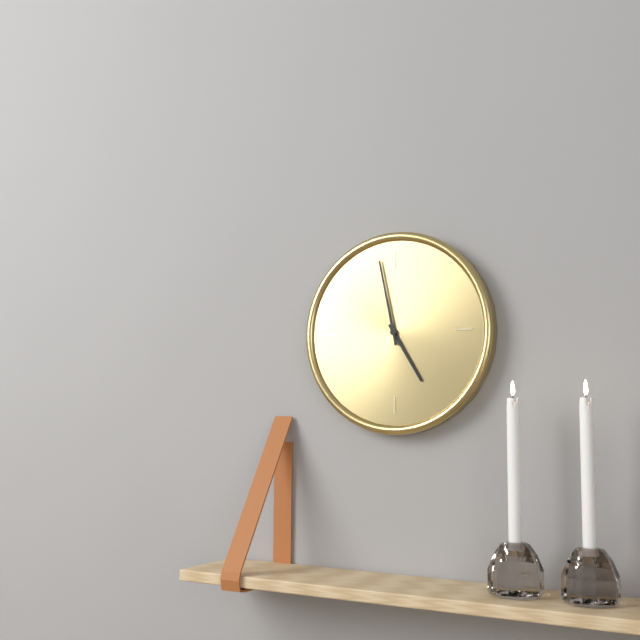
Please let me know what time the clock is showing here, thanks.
4:58
